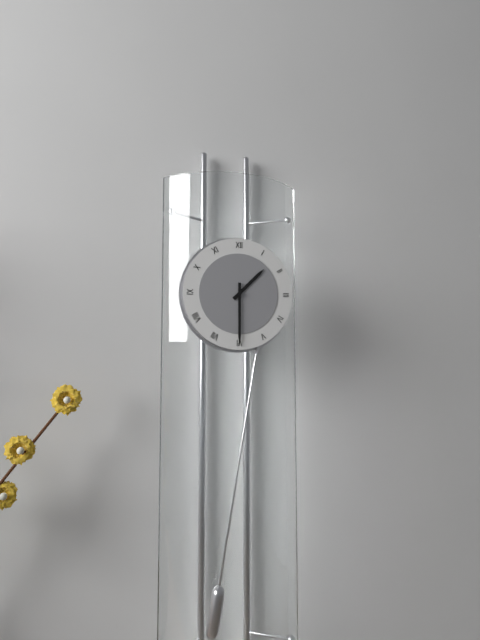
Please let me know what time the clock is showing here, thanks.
1:30
